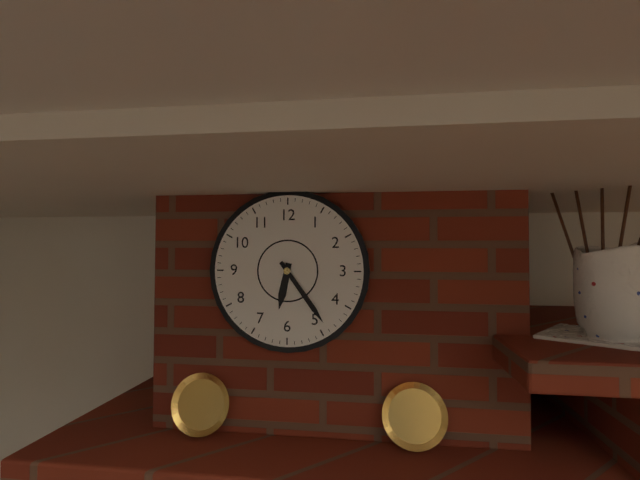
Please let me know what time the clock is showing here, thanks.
6:24
